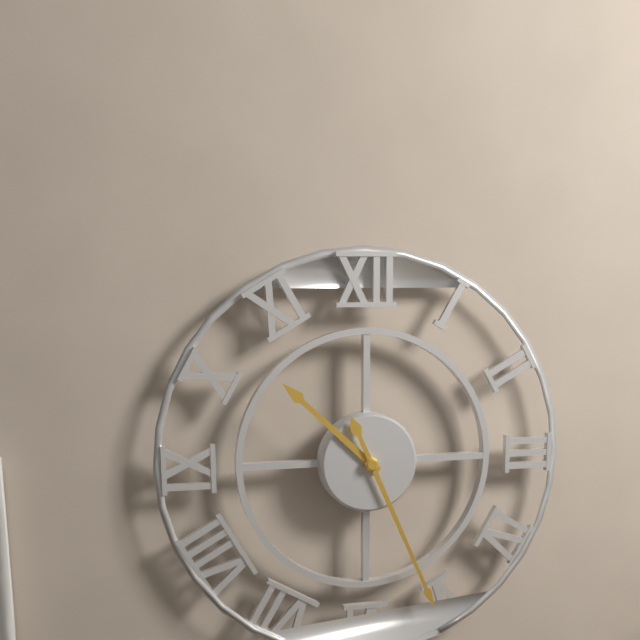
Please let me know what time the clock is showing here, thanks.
10:26
